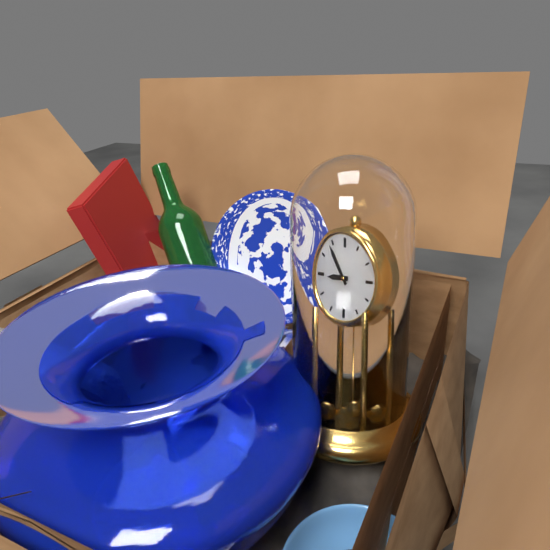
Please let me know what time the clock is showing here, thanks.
8:54
